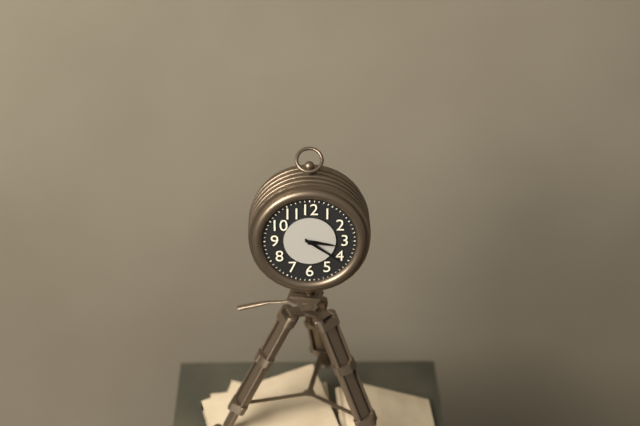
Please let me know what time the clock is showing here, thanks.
3:21
